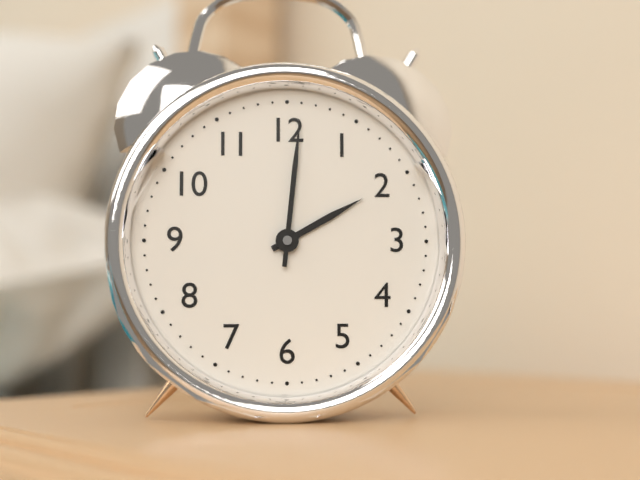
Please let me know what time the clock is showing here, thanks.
2:01
